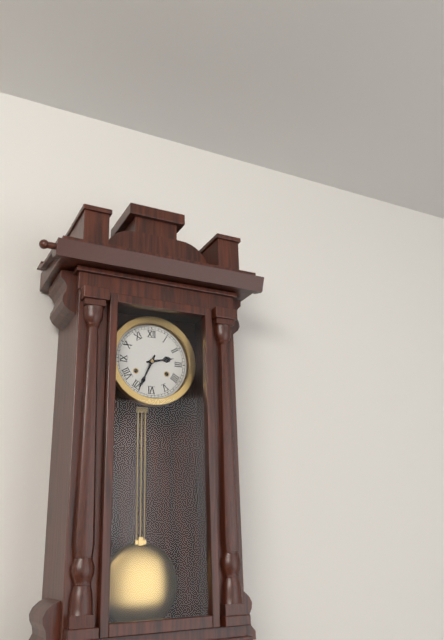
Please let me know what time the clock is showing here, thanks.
2:34
